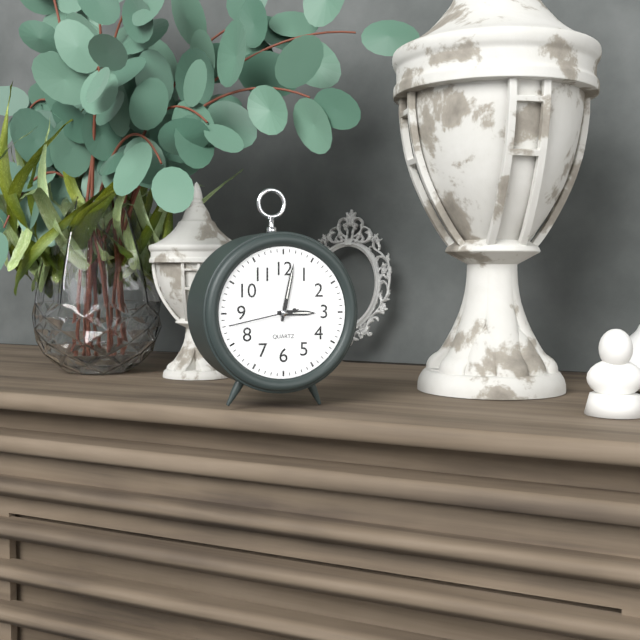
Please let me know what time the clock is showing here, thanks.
3:02:43
